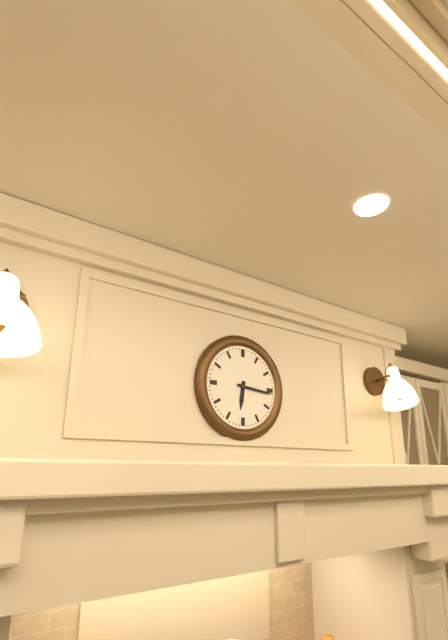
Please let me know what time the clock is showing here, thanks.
6:16
